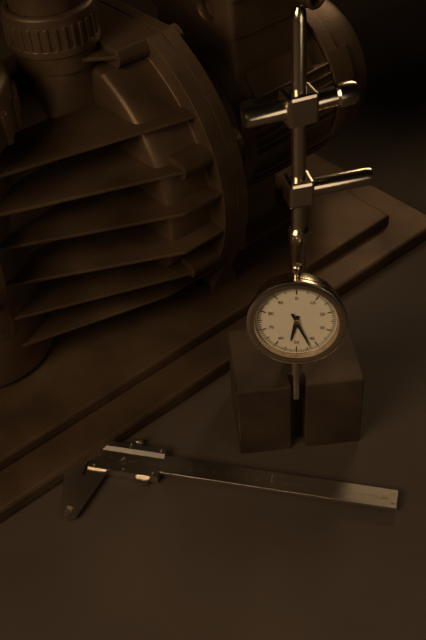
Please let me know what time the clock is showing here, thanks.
6:26
